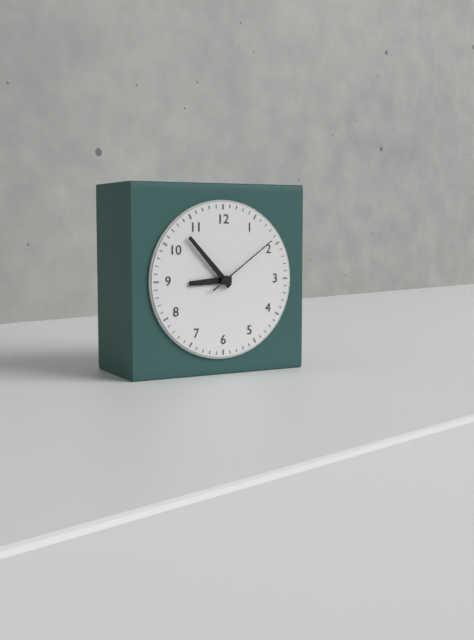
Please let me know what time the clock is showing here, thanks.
8:53:09
